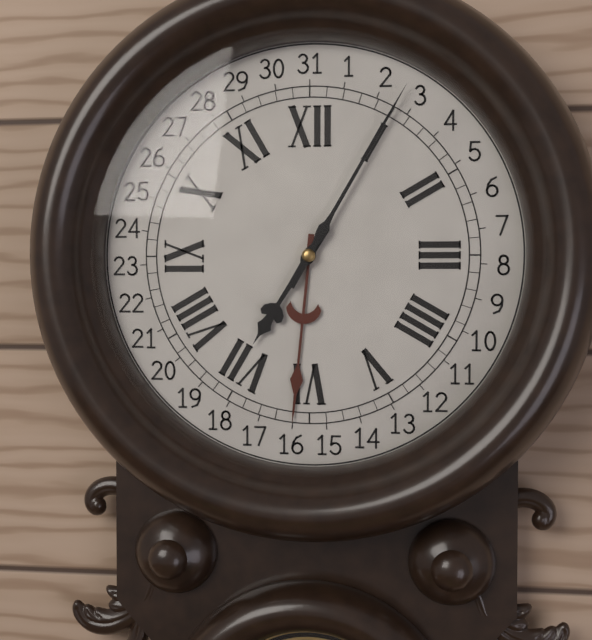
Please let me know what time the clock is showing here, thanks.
7:05
